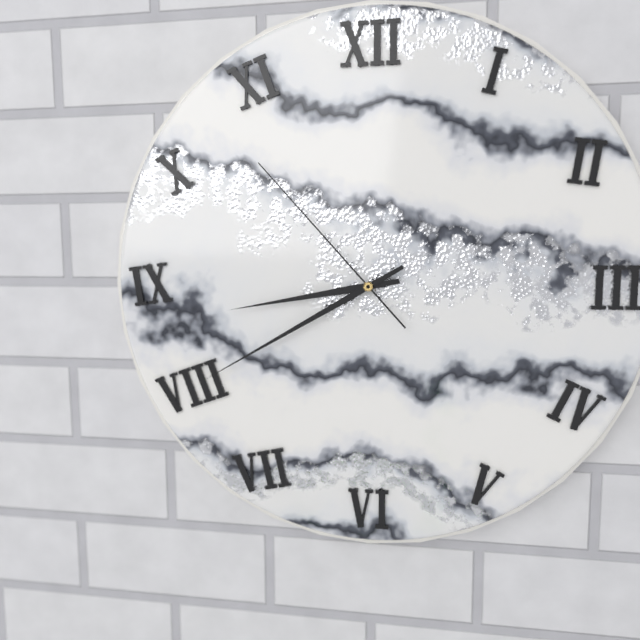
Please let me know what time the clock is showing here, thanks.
8:40:53
